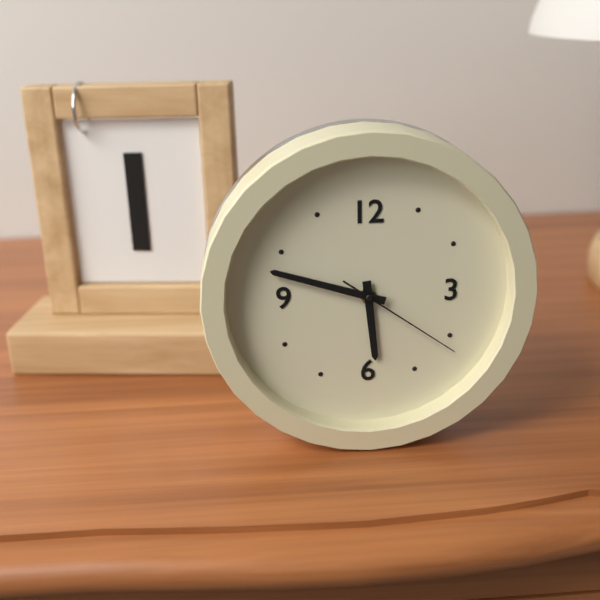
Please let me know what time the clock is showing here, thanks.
5:48:21
